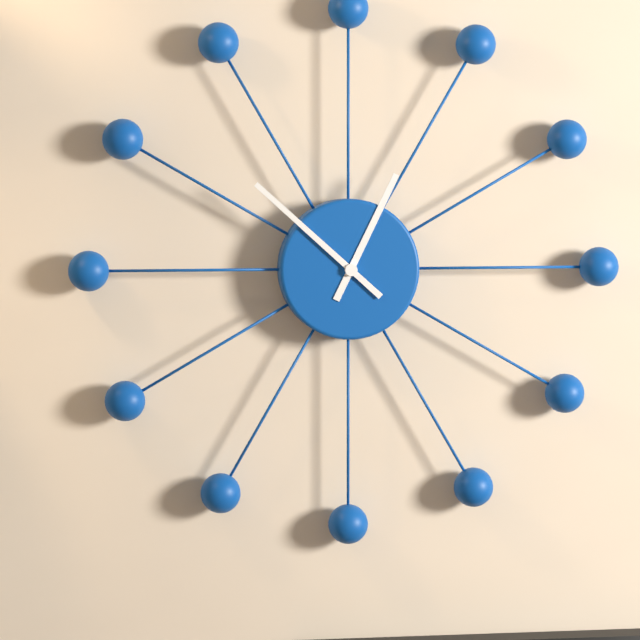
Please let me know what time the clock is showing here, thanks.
12:52
